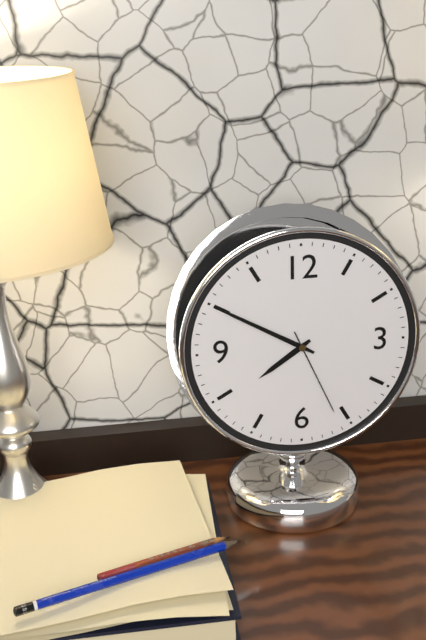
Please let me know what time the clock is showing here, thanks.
7:50:26
